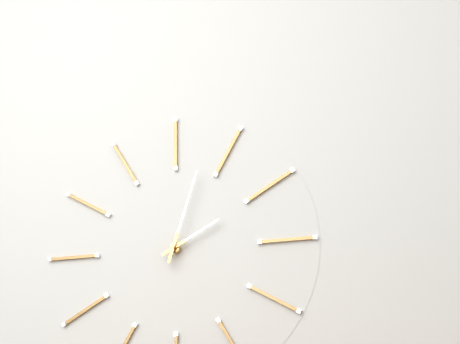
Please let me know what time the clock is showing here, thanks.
2:03
